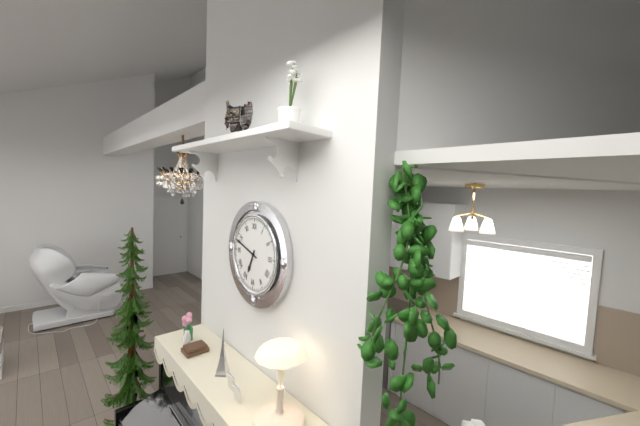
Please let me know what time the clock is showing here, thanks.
6:48
